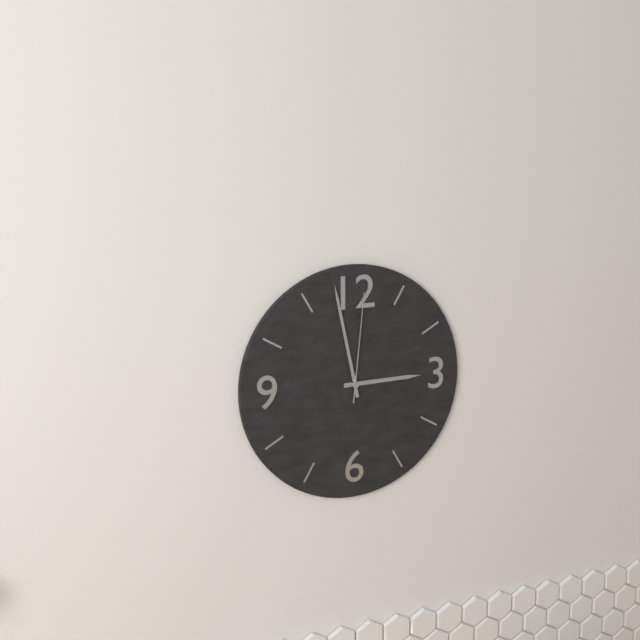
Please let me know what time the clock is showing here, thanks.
2:58:01
